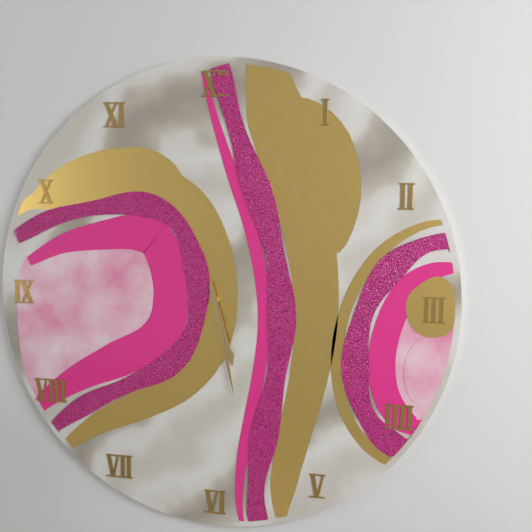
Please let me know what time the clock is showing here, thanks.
5:28
